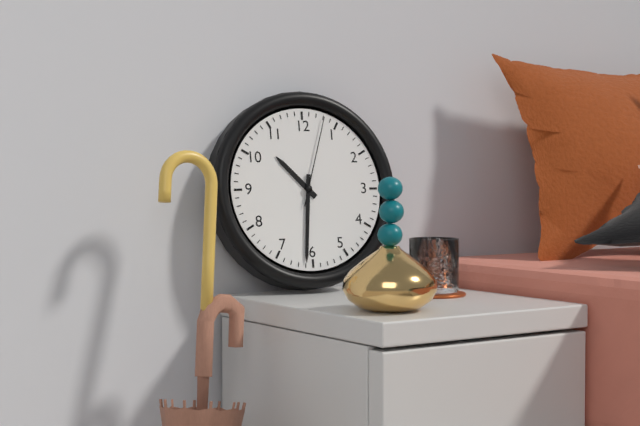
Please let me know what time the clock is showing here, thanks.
10:31:03
